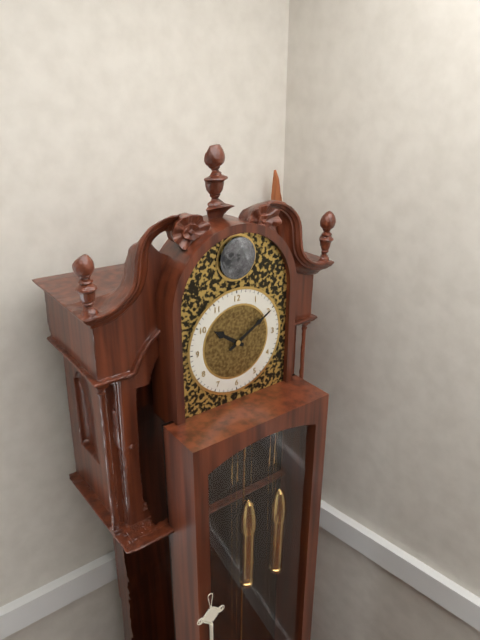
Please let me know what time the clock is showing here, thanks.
10:10
